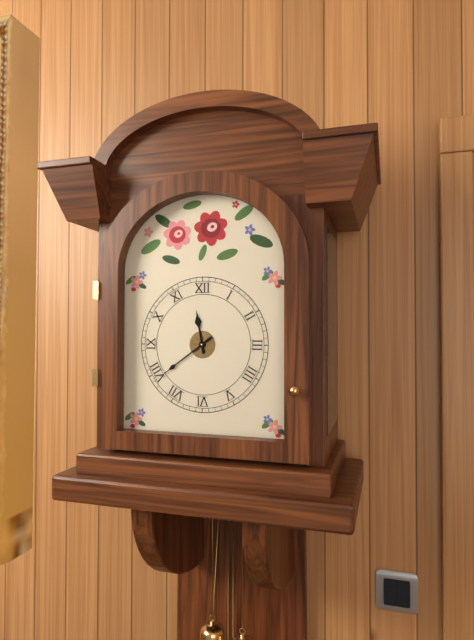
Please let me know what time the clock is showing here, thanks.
11:39
